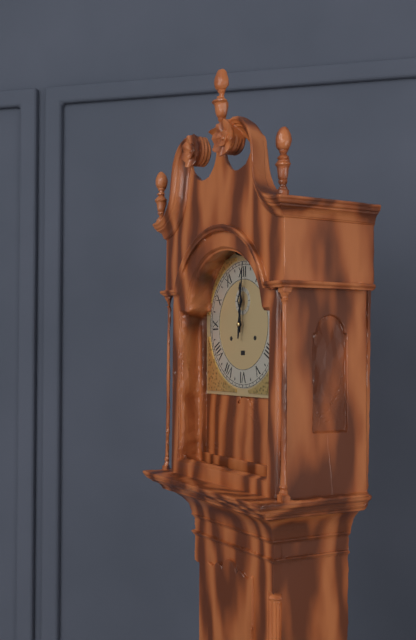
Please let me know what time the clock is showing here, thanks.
12:01
